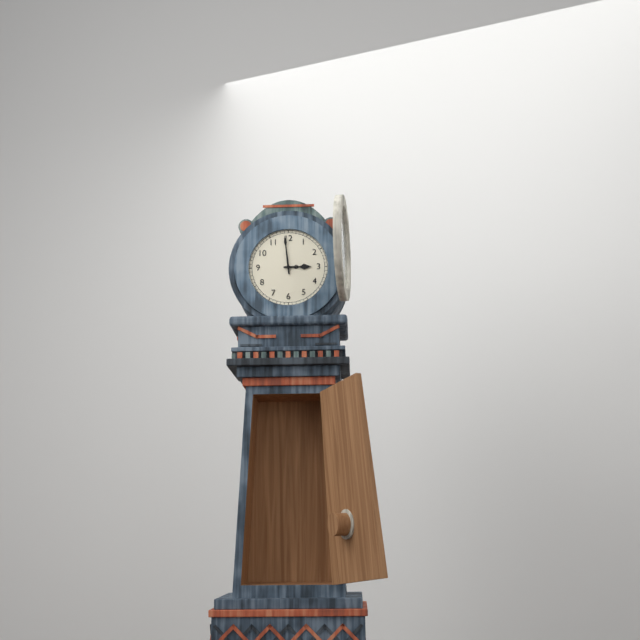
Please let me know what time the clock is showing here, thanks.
2:59
